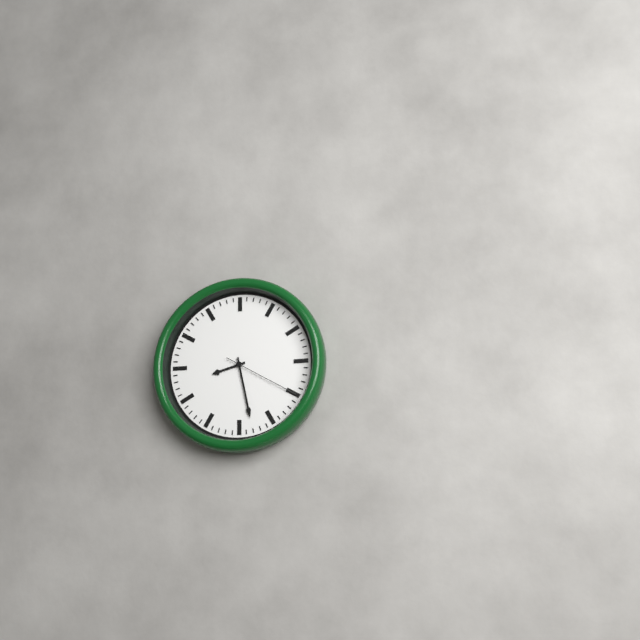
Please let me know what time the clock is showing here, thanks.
8:28:20
